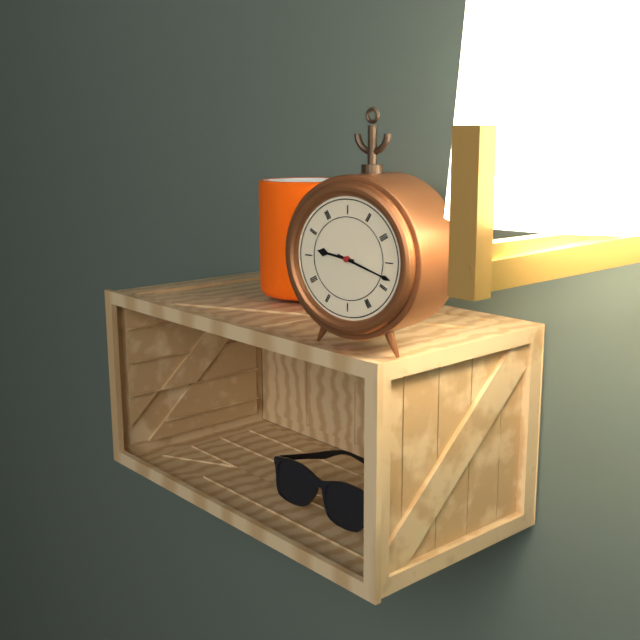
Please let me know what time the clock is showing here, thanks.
9:18
